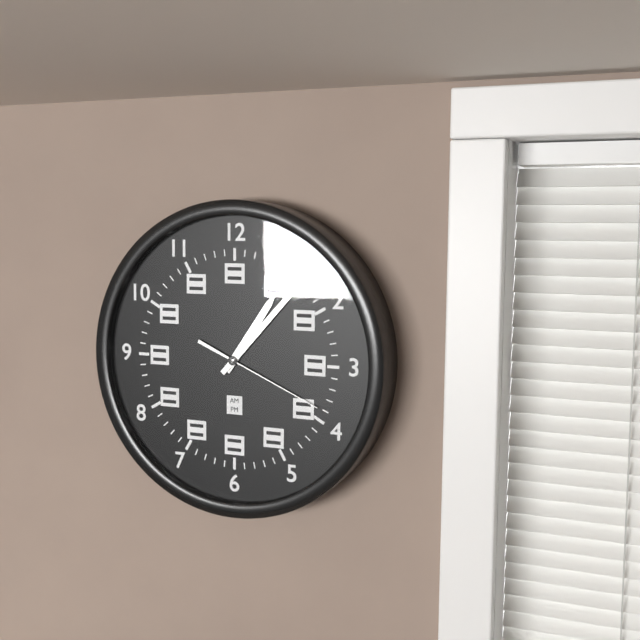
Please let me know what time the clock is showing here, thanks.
1:07:19
